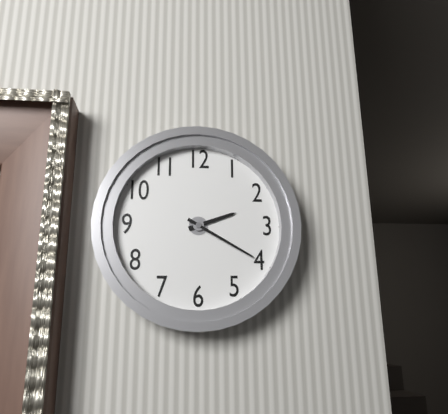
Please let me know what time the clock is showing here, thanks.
2:20
